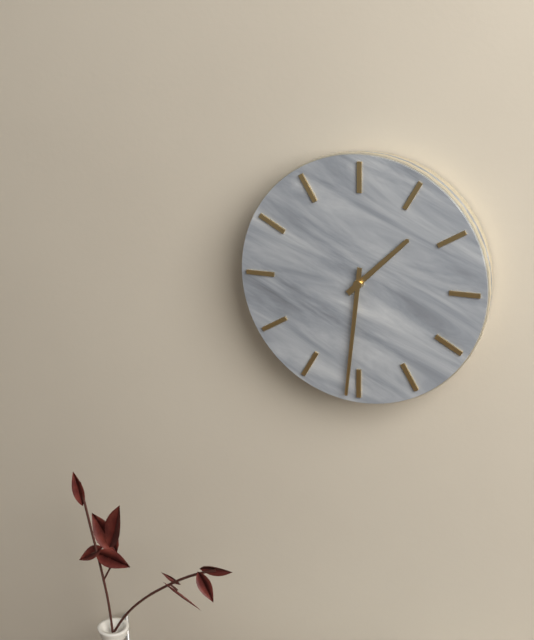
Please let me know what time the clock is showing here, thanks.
1:31
